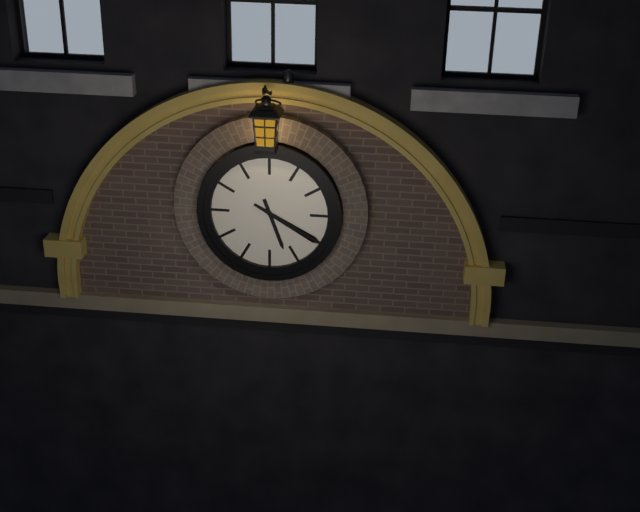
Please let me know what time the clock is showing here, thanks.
5:20
